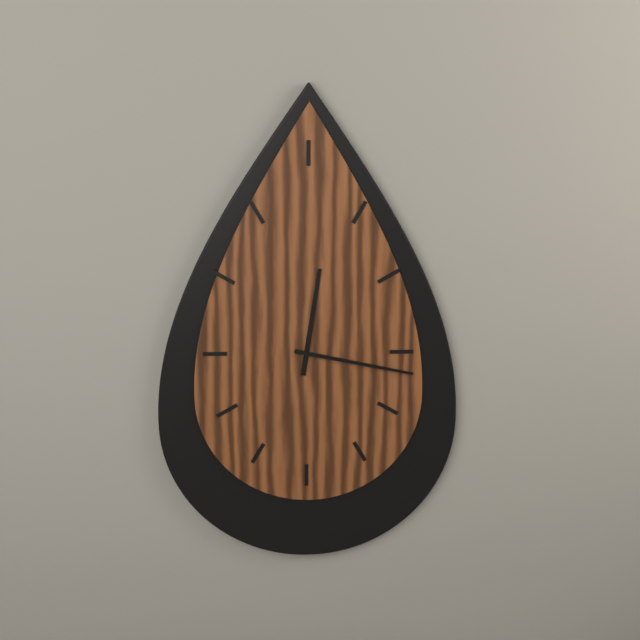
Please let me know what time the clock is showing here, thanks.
12:17
